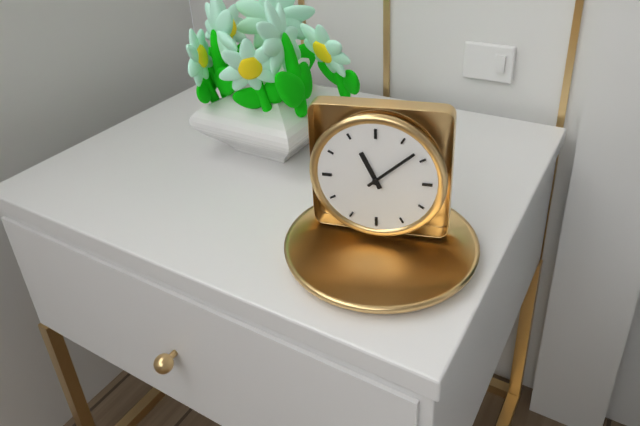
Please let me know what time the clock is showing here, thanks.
11:08
